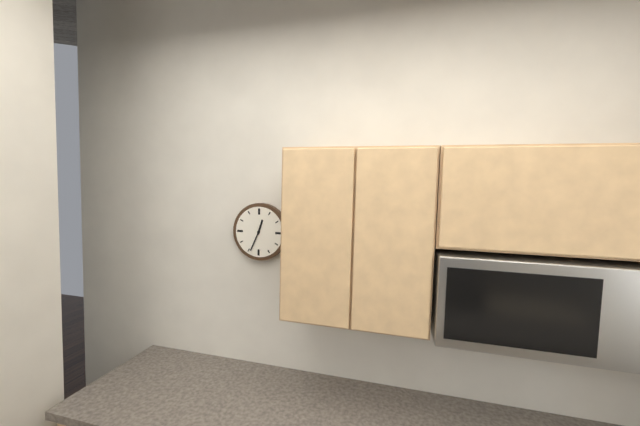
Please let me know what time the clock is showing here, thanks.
12:34
